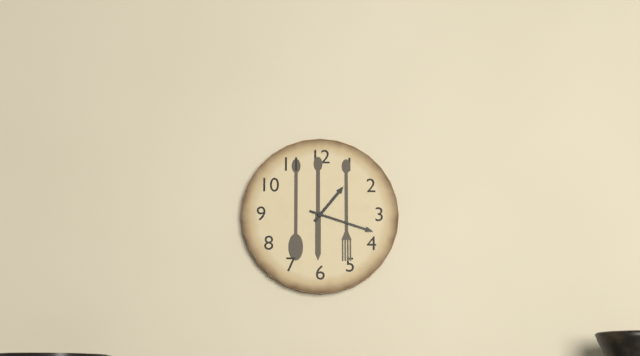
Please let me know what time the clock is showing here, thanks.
1:18
